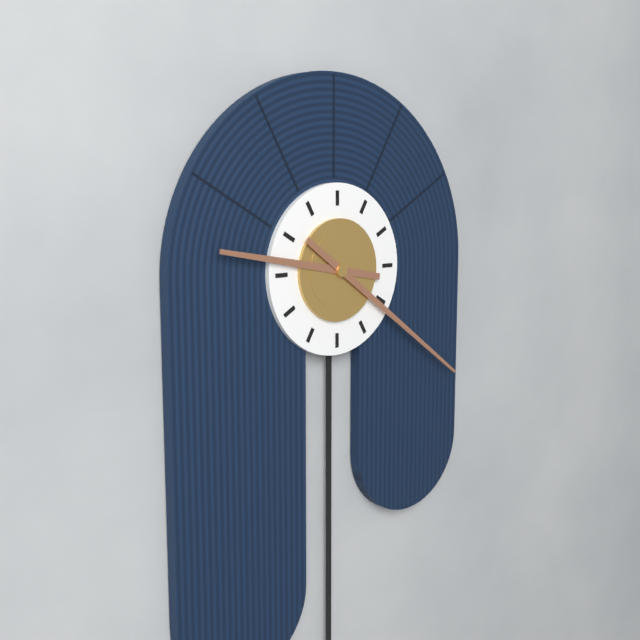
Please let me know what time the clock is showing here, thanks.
9:21
